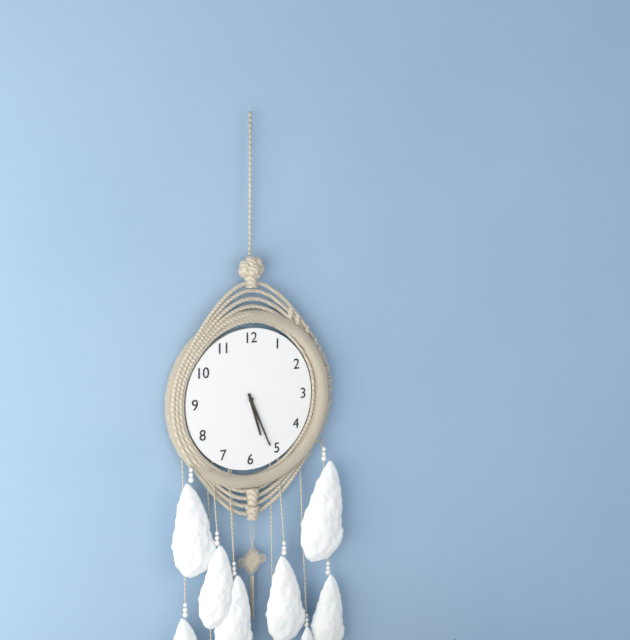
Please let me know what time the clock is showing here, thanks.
5:26
